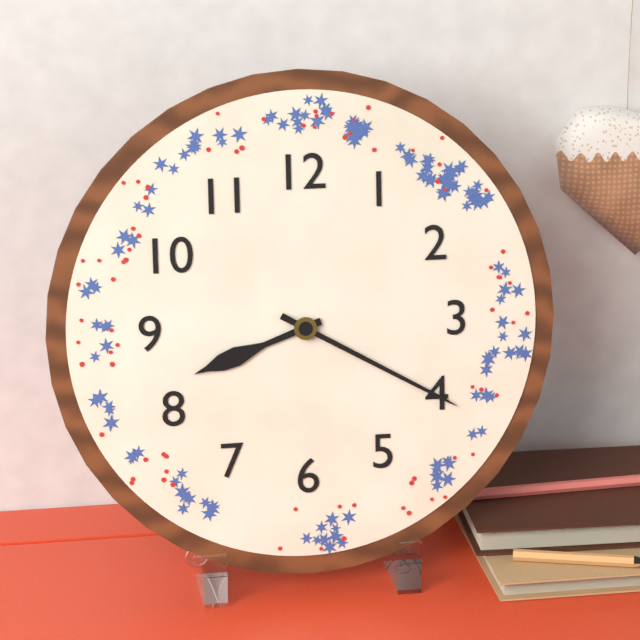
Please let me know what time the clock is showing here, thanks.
8:20
